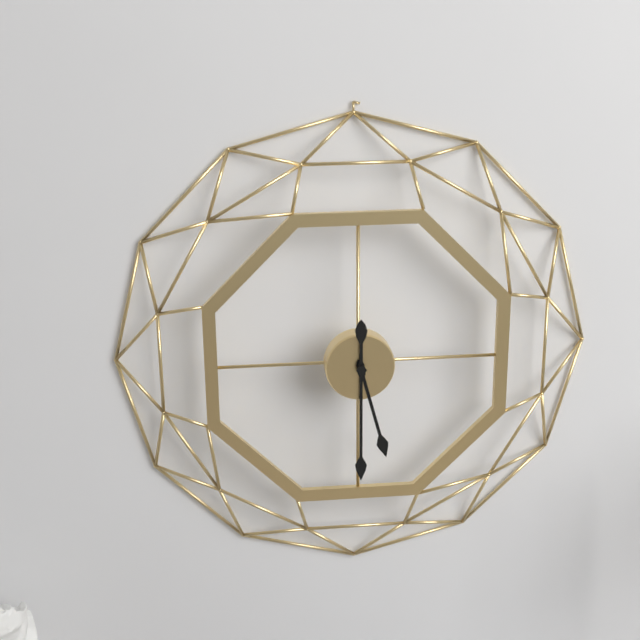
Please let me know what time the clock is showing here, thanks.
5:30
